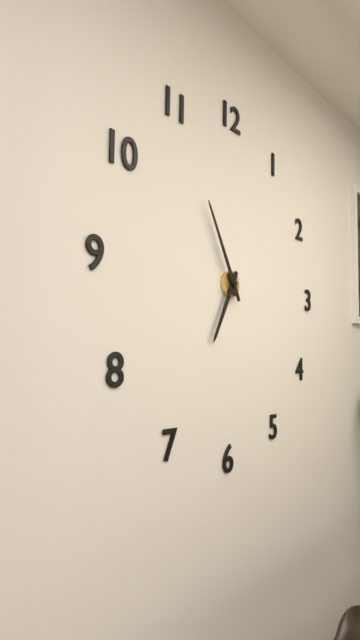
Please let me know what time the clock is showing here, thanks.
6:55
